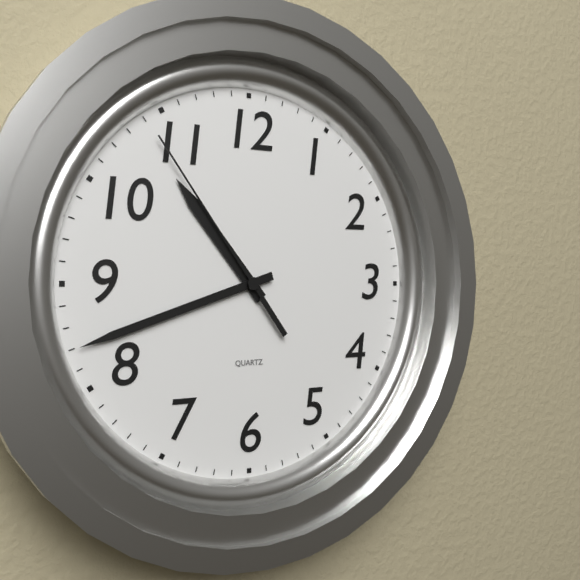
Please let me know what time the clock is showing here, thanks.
10:42:54
